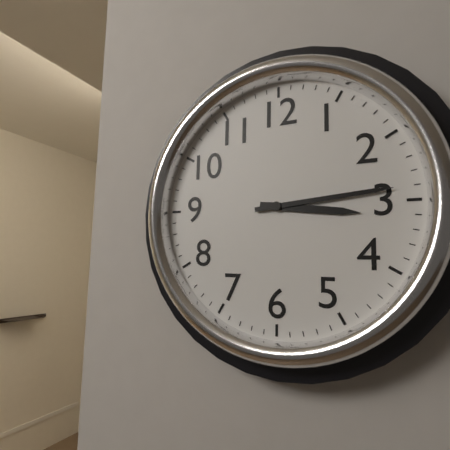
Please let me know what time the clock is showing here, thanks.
3:14
